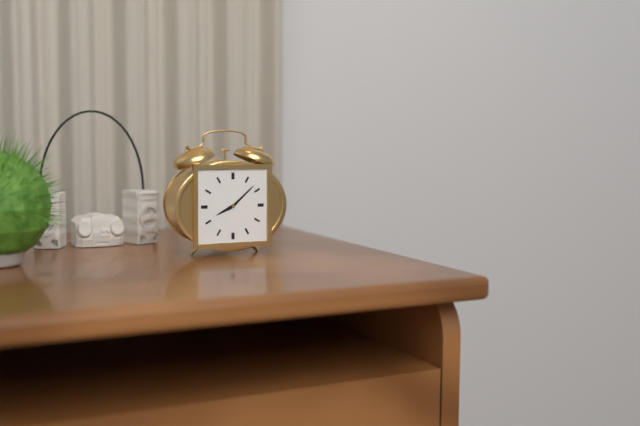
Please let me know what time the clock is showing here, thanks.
8:08
